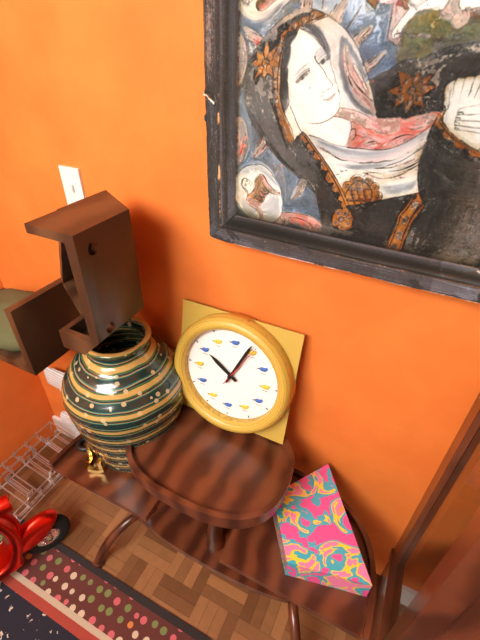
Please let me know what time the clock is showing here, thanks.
10:04
